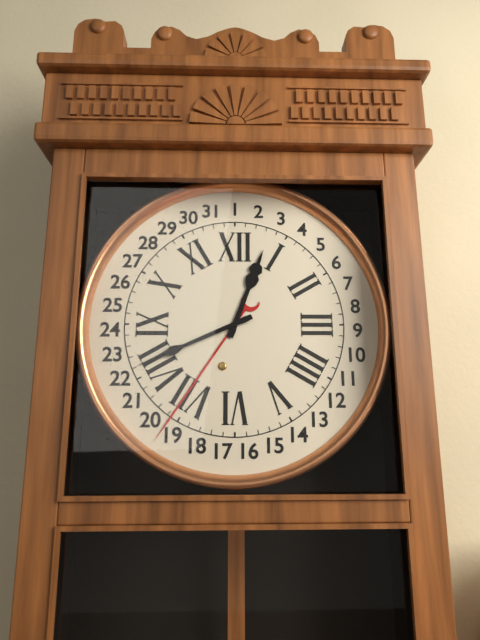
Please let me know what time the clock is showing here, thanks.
12:41
